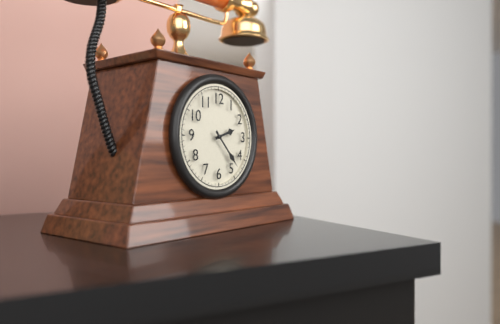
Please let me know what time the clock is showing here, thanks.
2:23
